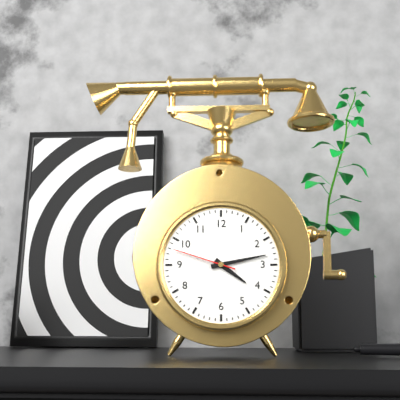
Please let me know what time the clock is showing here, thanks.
4:13:48
